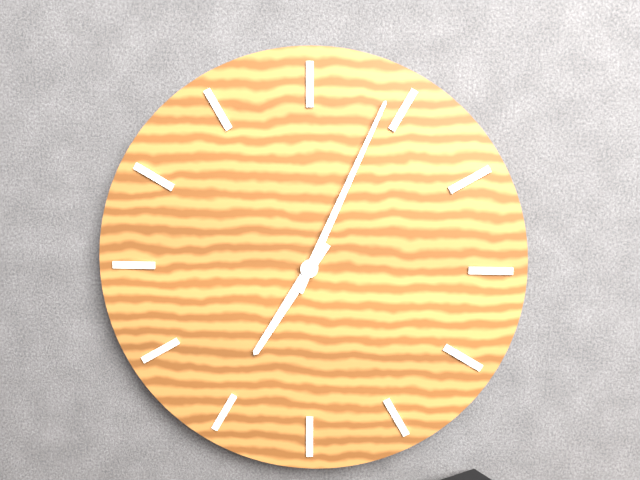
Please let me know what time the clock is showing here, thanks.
7:04
